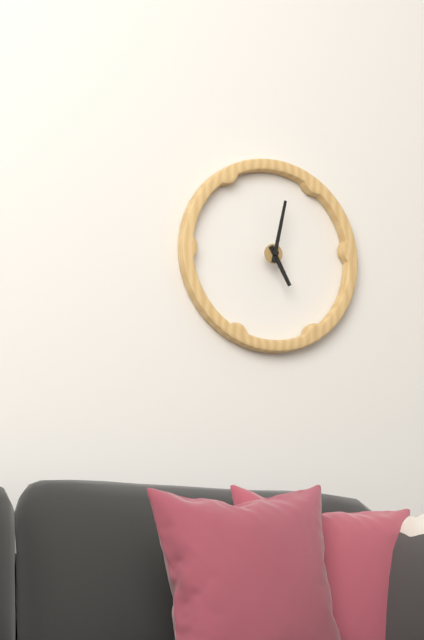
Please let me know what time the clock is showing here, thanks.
5:02
